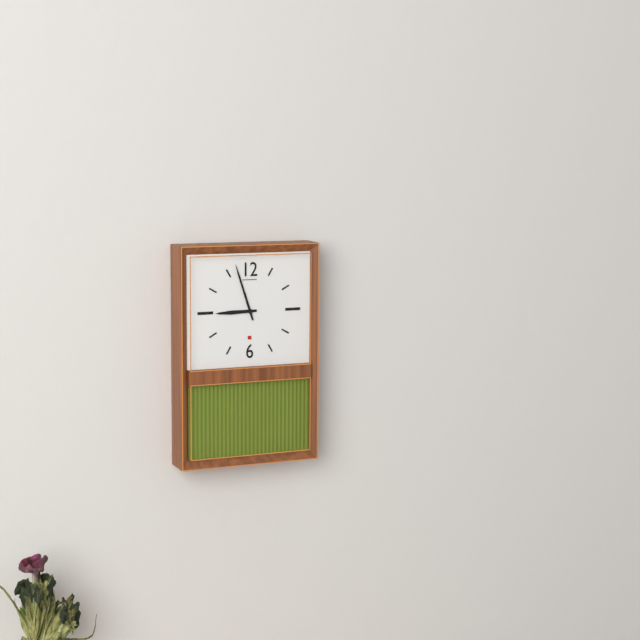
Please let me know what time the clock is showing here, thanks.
8:57
